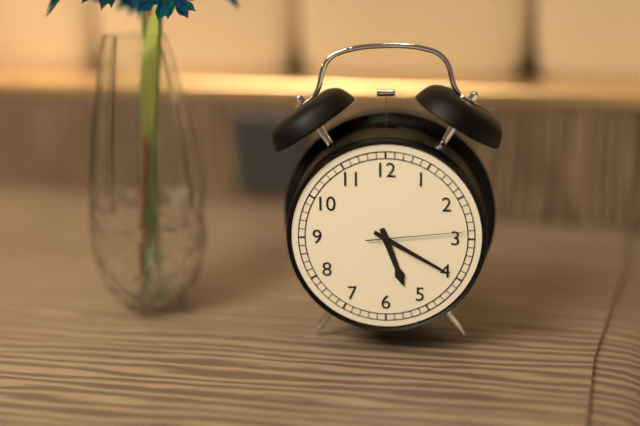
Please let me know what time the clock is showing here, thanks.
5:20:14
